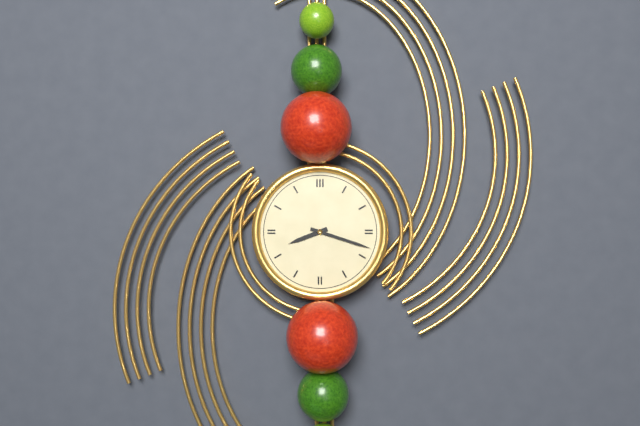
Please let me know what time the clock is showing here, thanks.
8:18
